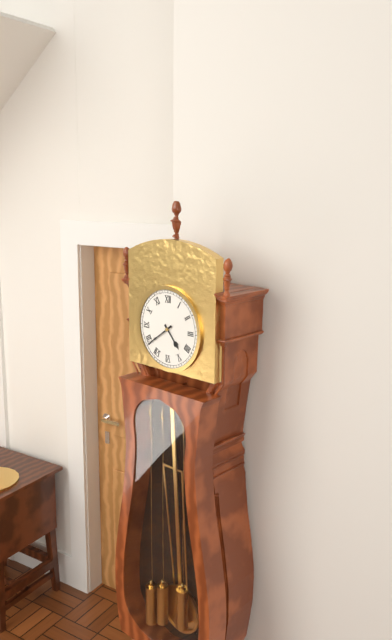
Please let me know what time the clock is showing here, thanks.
4:39
